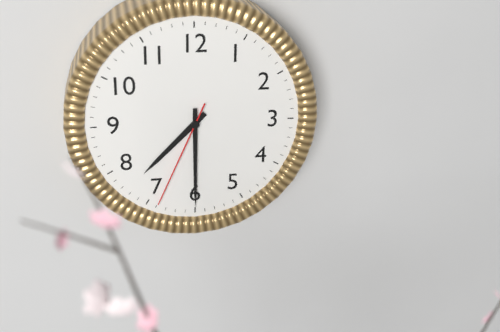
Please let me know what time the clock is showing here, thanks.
7:30:34
